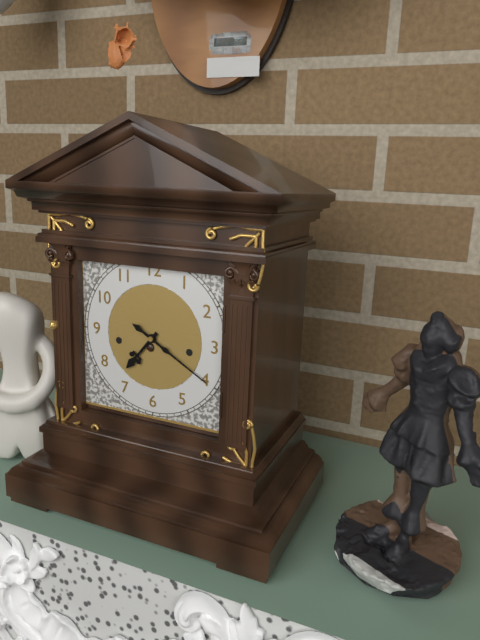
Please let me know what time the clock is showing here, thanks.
7:20
